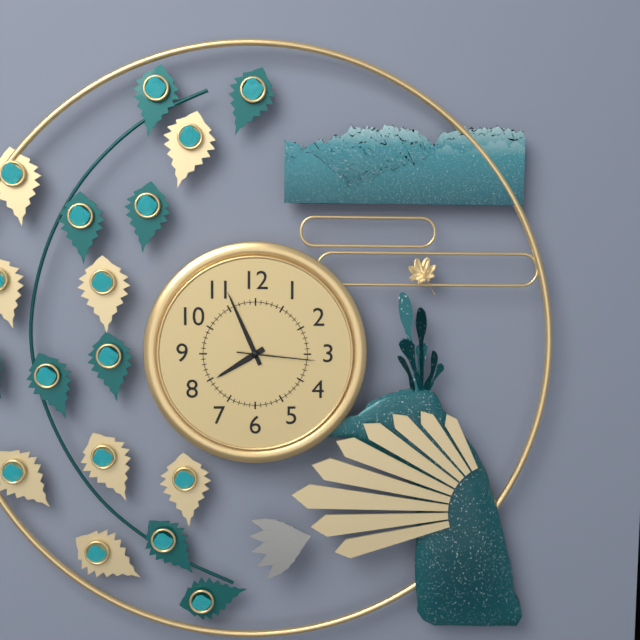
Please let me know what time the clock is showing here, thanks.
7:56:16
